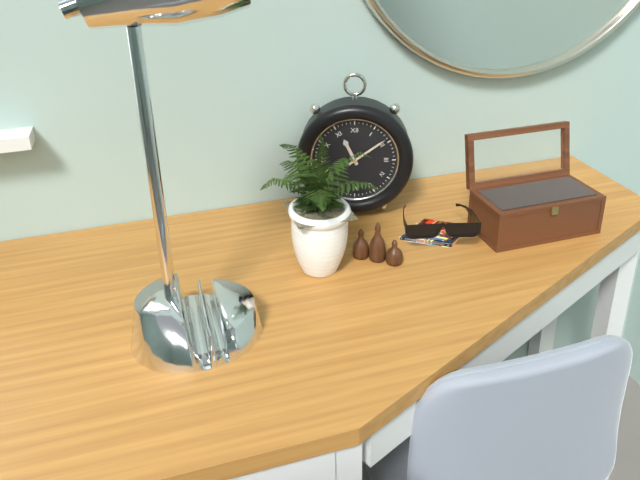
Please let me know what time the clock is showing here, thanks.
11:09
